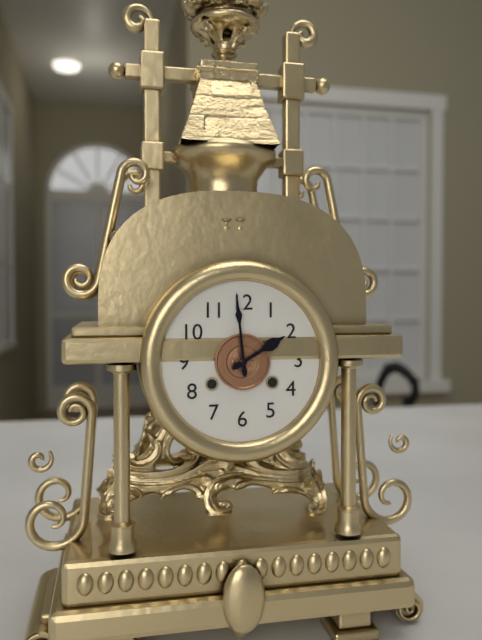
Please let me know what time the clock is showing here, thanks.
1:59
